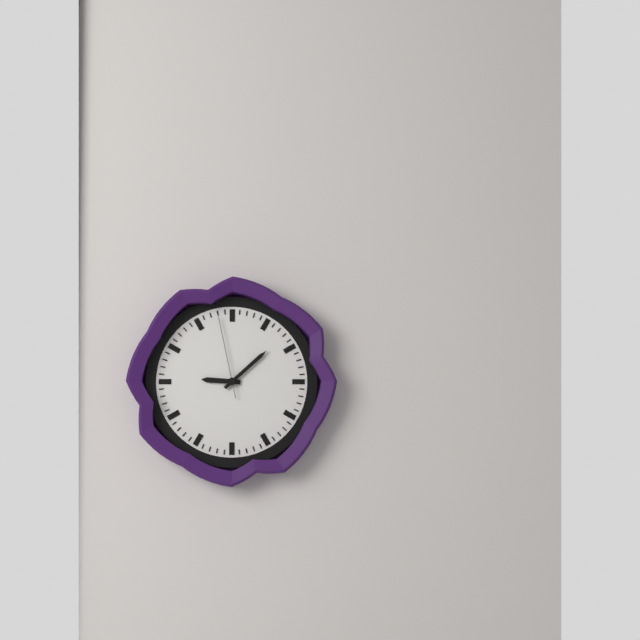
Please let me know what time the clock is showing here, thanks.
9:08:58
